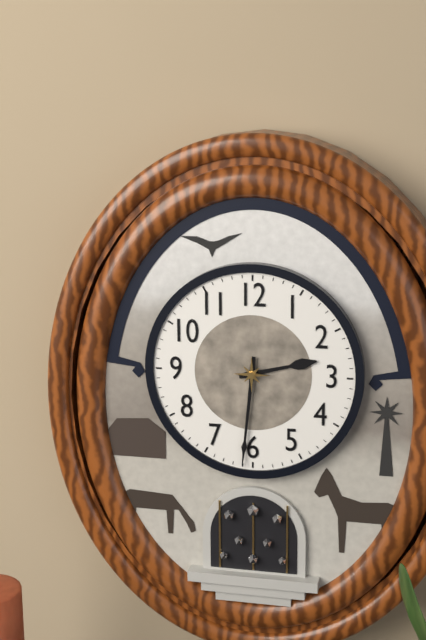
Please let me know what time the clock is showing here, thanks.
2:31
